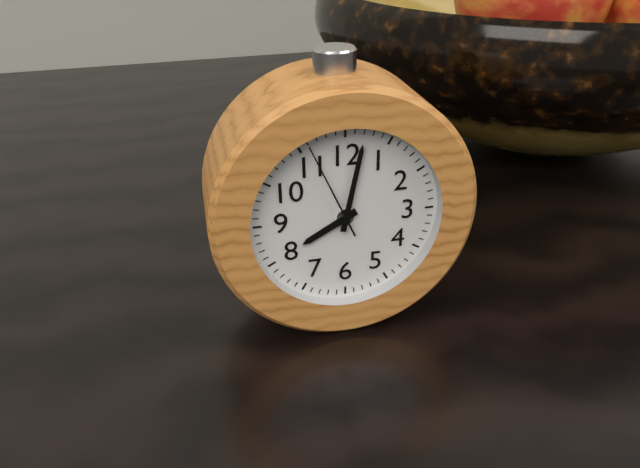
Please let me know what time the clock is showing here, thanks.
8:02:56
